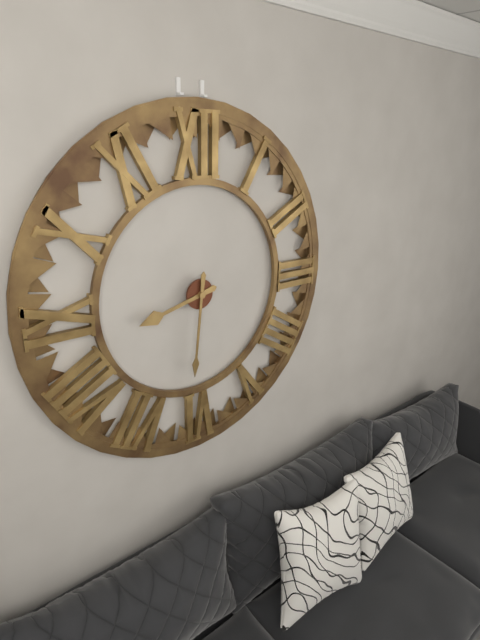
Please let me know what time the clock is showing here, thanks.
8:31
